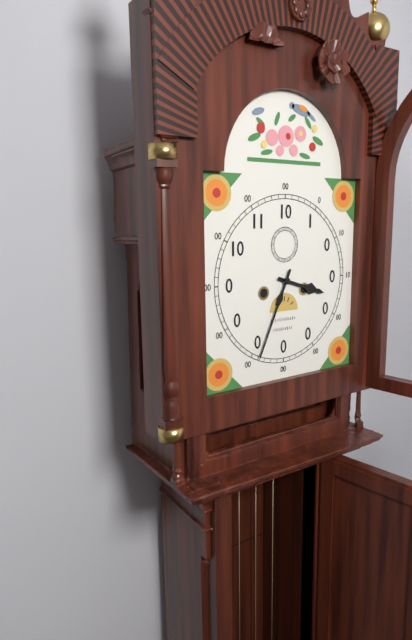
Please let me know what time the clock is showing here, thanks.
3:34
